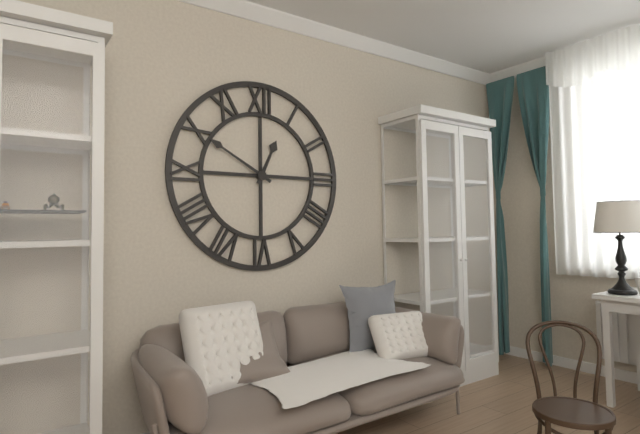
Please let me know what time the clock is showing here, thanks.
12:50
